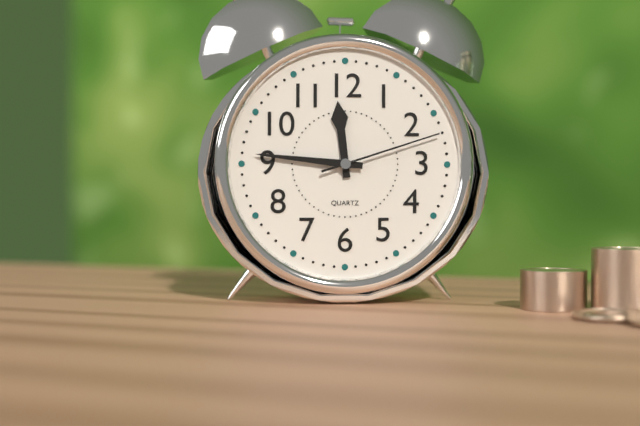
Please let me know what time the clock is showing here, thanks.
11:46:12
